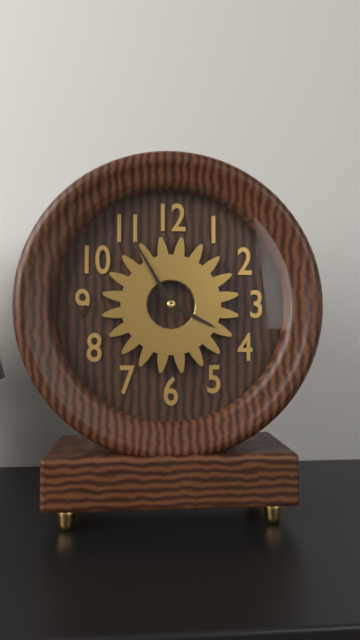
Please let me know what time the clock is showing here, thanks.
3:55
